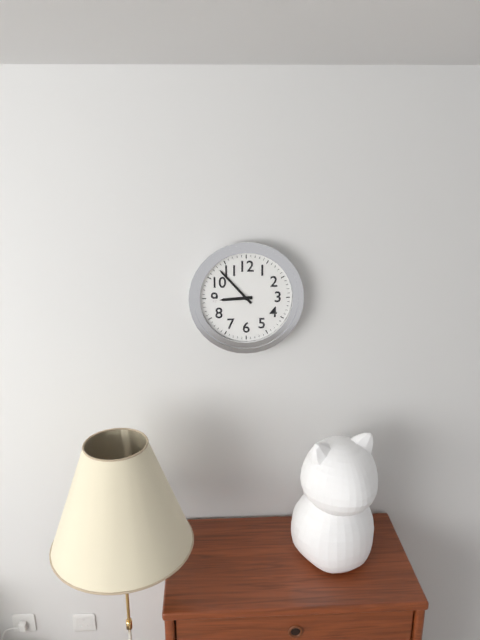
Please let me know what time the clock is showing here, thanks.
8:53
